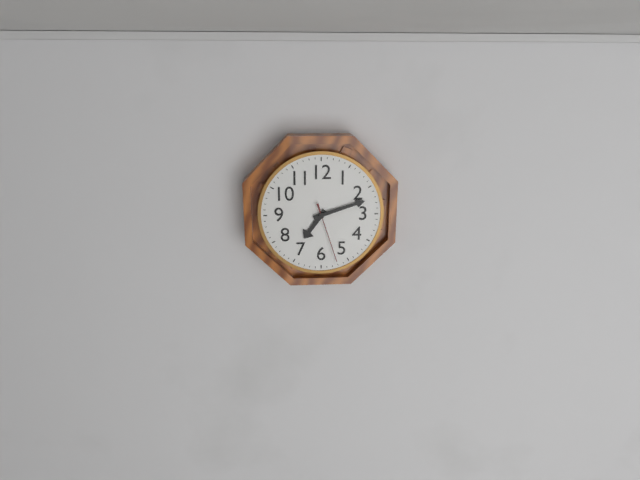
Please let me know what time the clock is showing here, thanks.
7:12:27
